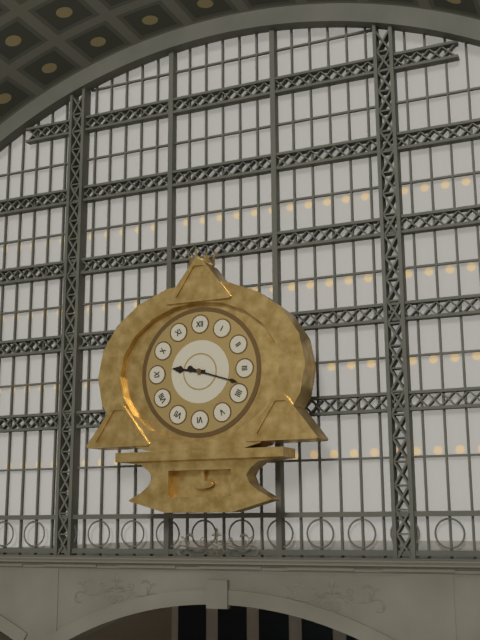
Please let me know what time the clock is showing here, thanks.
9:18
